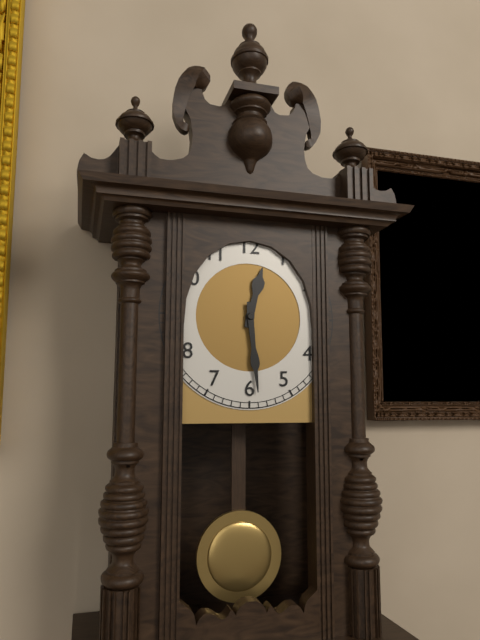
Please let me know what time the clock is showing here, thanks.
12:29
